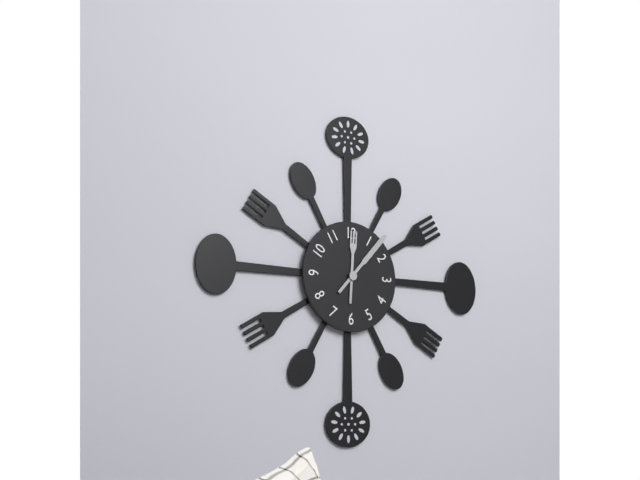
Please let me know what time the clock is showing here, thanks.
12:07
